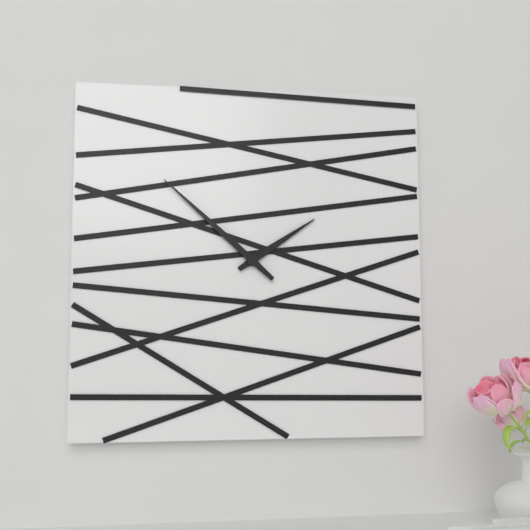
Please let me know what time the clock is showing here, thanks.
1:52
